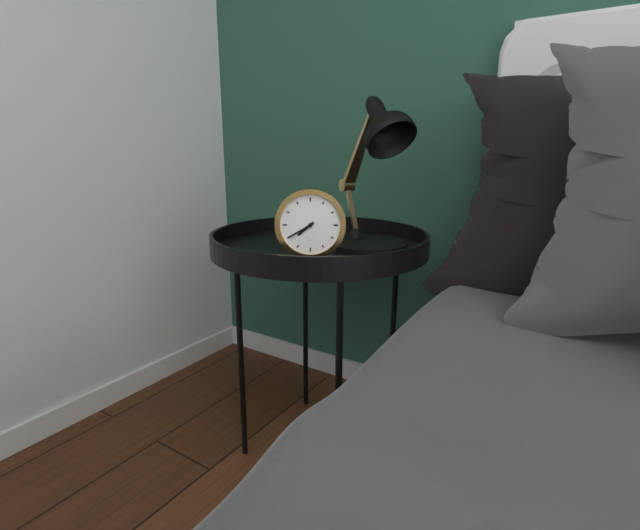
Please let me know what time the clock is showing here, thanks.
7:40
